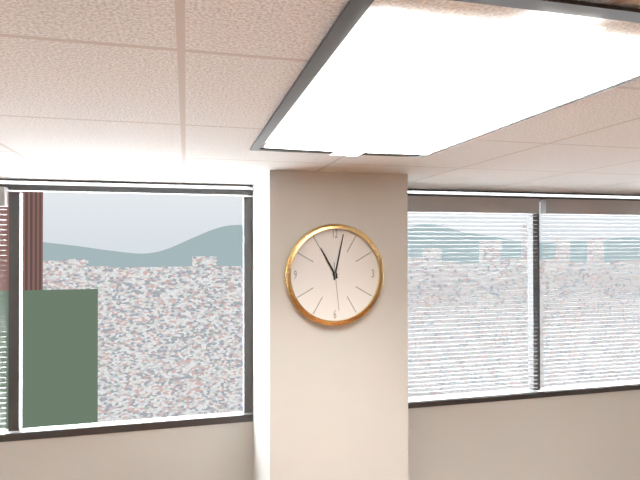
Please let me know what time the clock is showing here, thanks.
11:02
